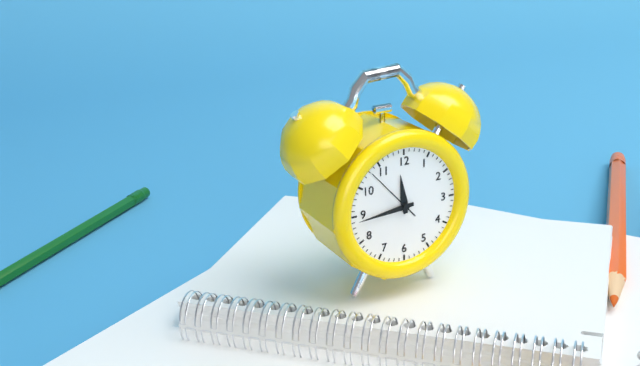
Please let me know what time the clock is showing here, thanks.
11:44:53
